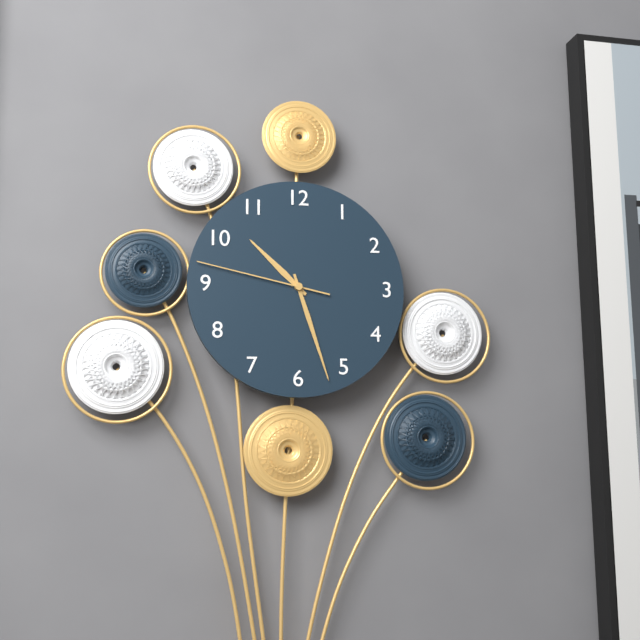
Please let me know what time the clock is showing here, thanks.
10:27:47
